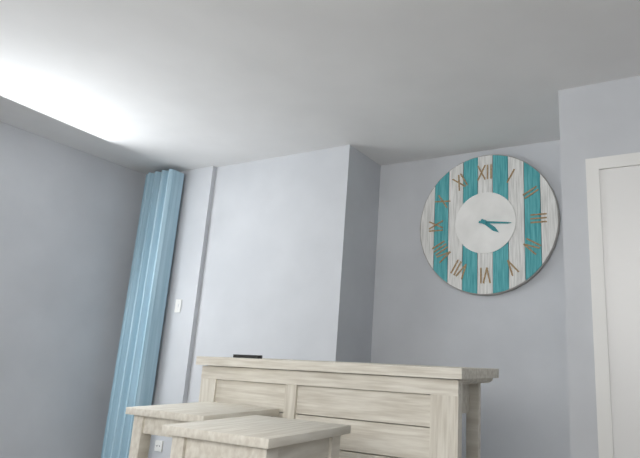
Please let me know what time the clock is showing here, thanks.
4:16
